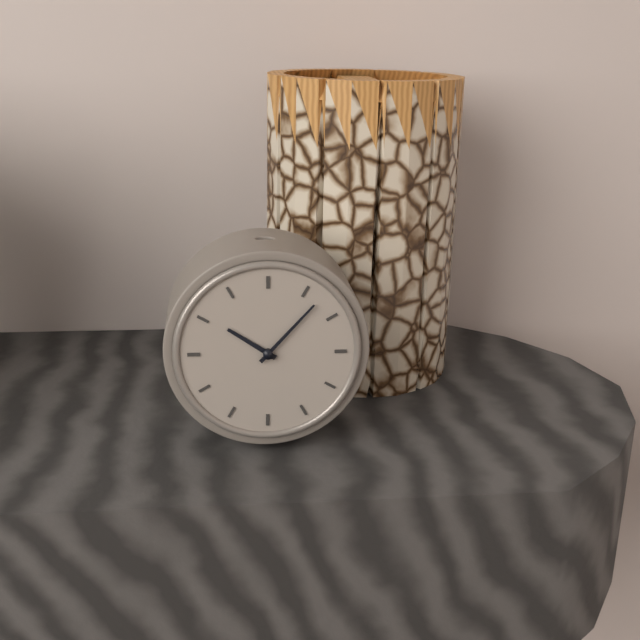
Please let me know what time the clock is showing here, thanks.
10:07
